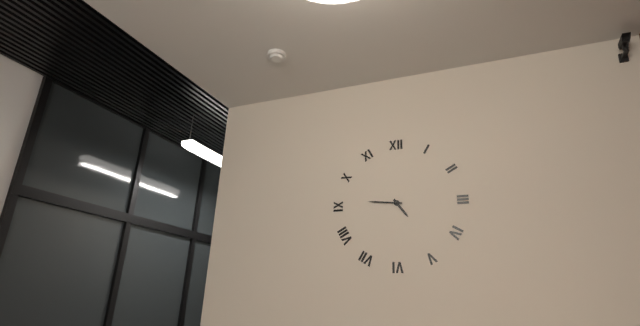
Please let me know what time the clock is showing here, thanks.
4:46
